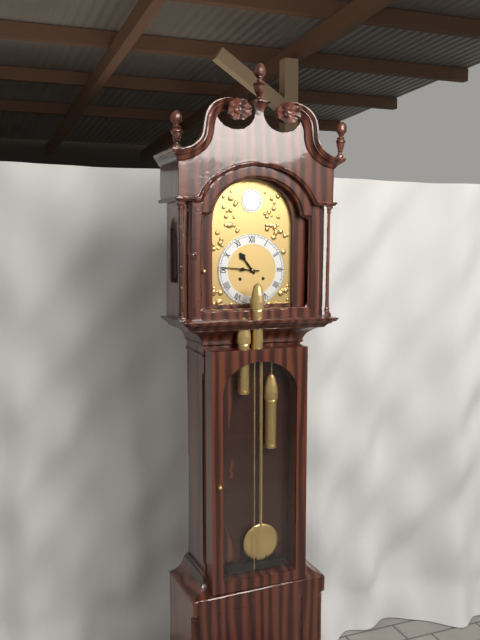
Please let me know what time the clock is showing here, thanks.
10:46
